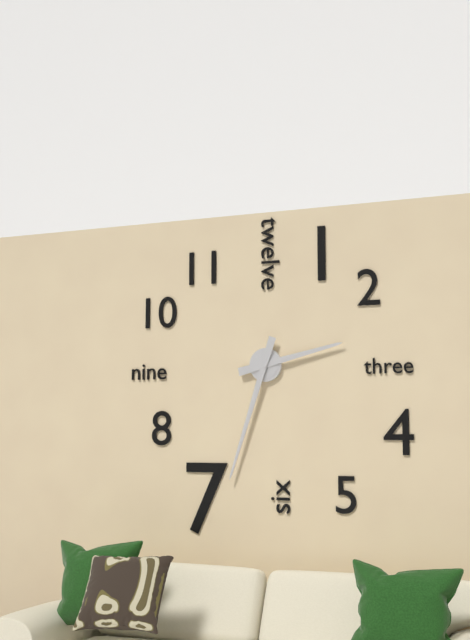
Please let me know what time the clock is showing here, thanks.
2:33
